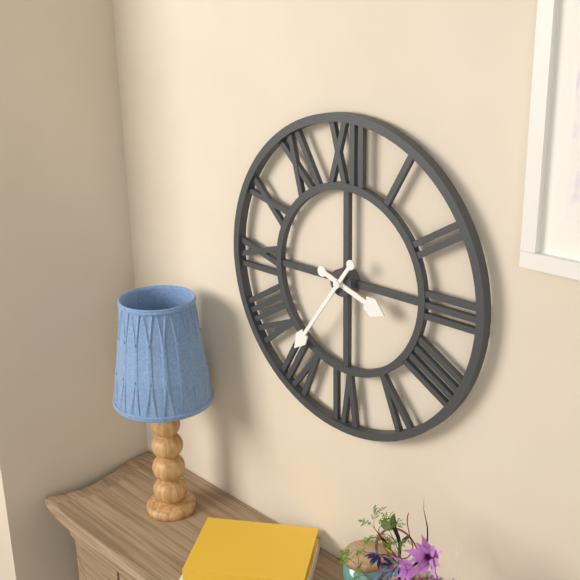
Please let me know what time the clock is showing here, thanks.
3:36
